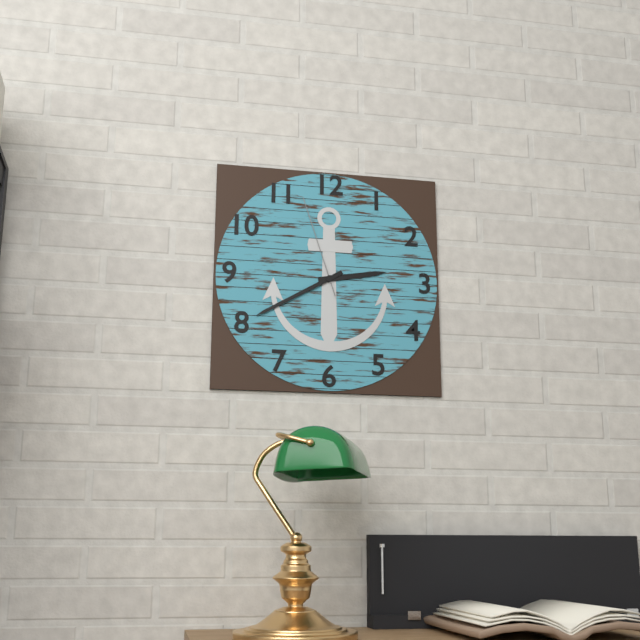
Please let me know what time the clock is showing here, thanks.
2:40:57
